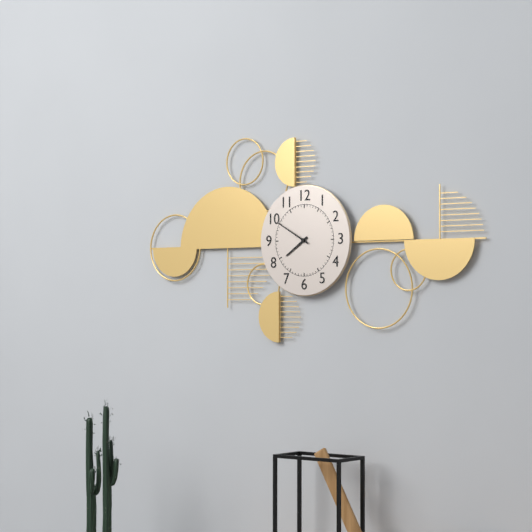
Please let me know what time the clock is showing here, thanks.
7:50
